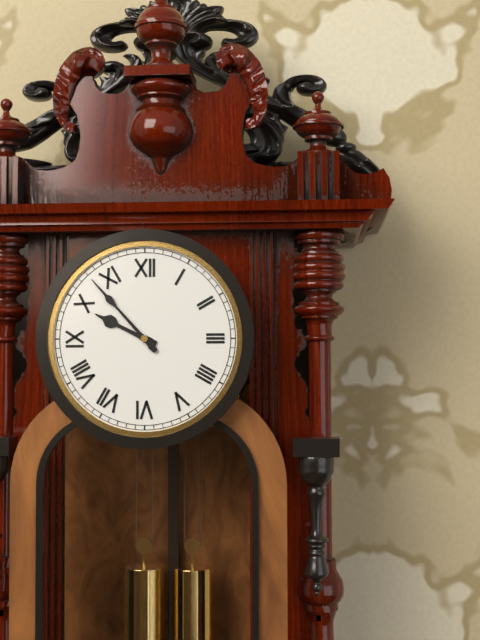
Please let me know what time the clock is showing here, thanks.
9:53
